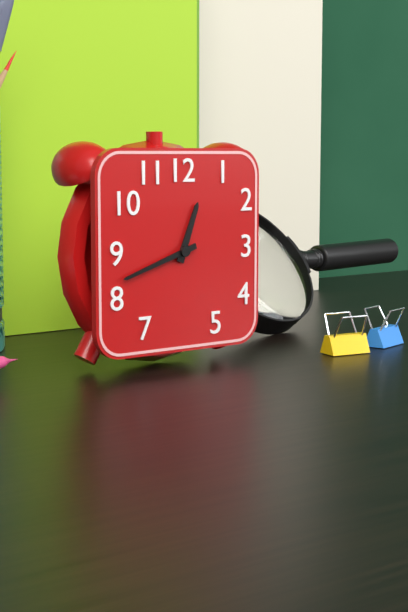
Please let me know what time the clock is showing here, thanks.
12:42
